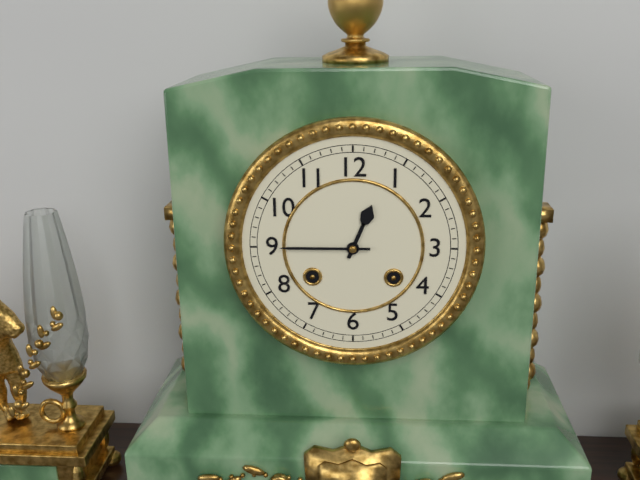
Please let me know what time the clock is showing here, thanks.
12:45
